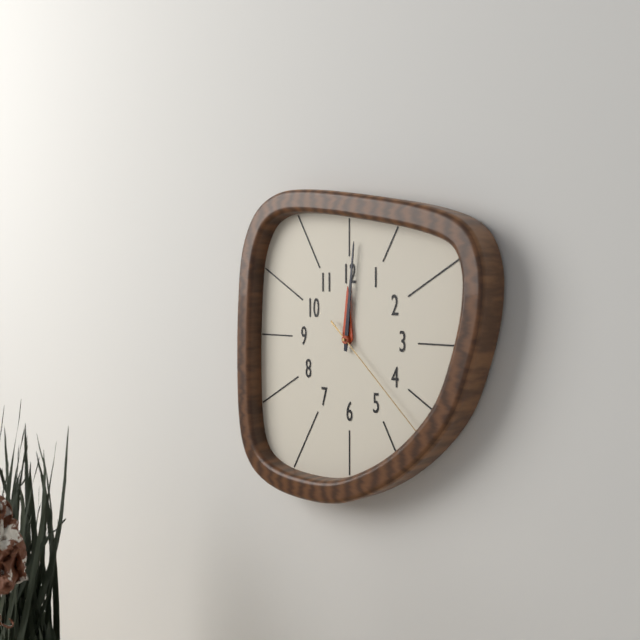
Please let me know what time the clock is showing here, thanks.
12:01:22
